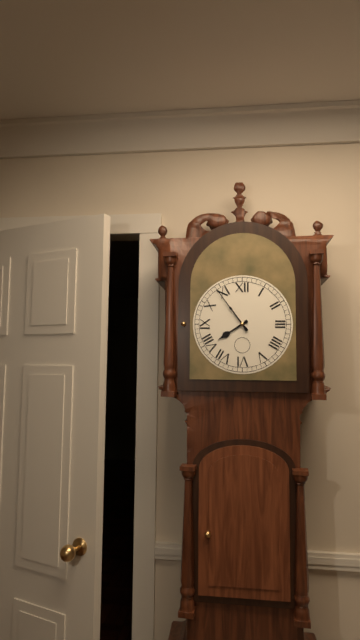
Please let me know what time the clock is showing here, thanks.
7:54
